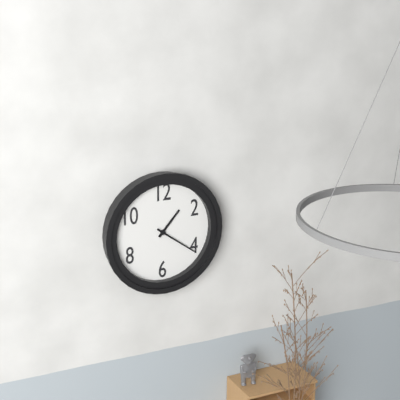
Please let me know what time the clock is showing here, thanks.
1:21
